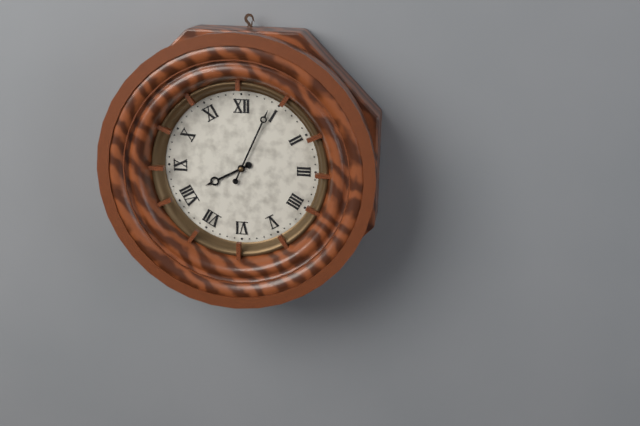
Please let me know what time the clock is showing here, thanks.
8:04
